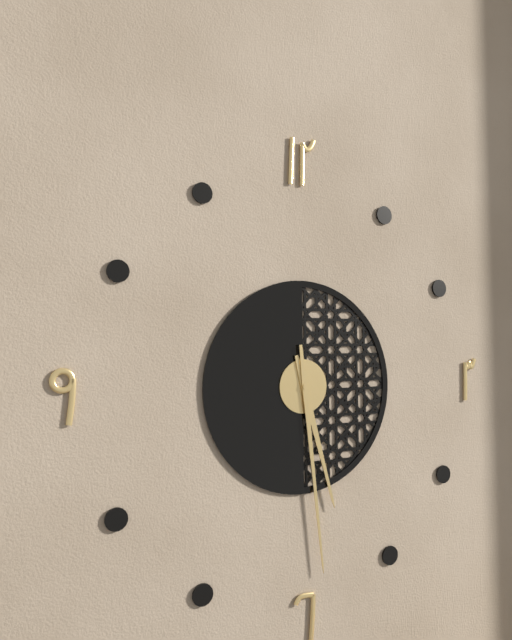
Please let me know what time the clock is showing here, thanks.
5:29
